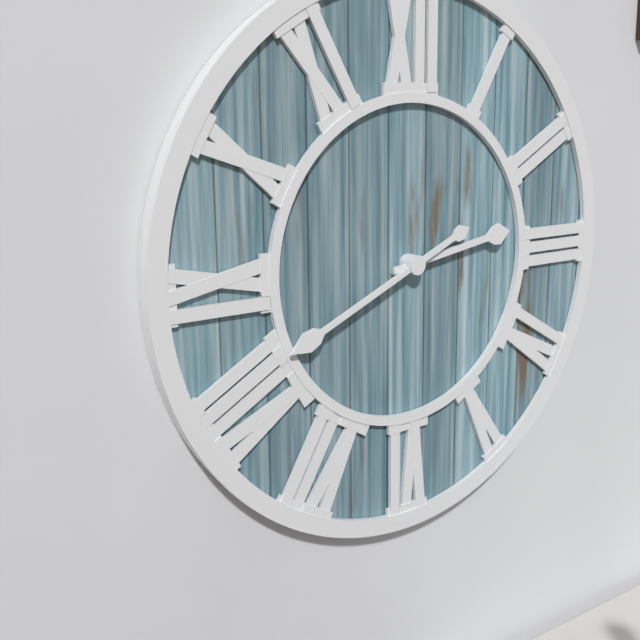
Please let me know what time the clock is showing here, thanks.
2:41
